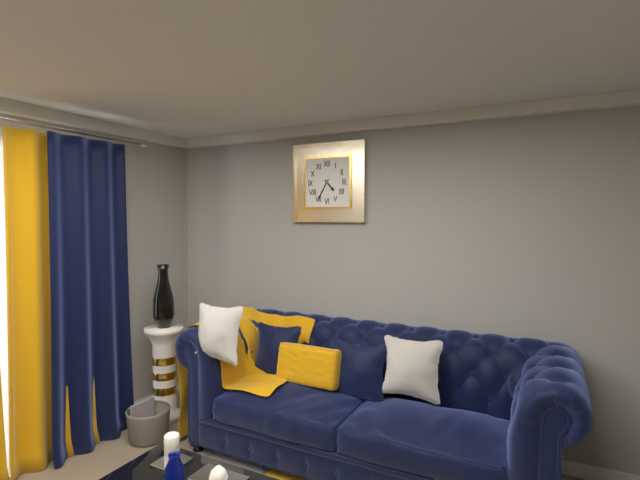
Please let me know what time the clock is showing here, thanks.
4:35
